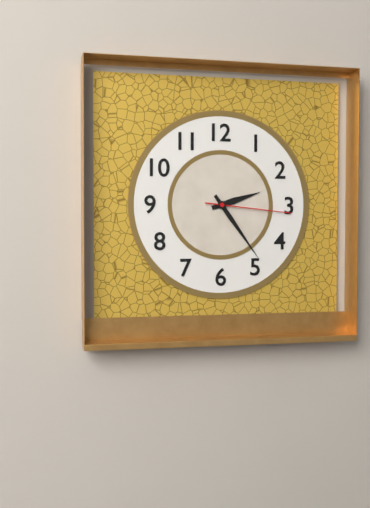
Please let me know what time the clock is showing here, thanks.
2:24:16
